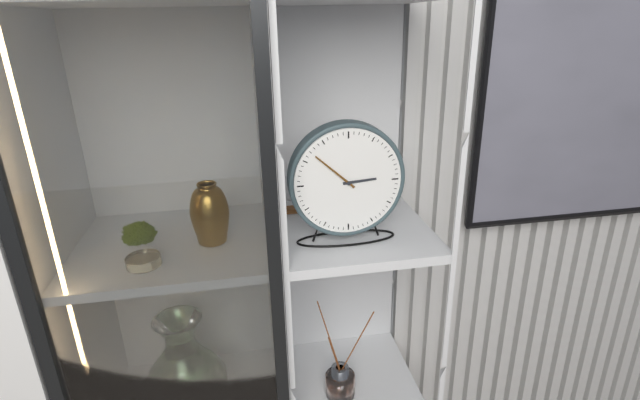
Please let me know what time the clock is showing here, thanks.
2:52
